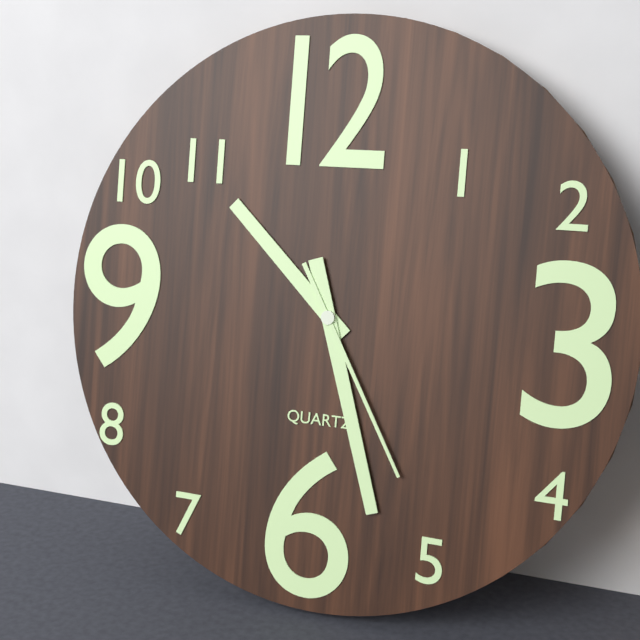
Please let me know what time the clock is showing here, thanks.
10:27:25
